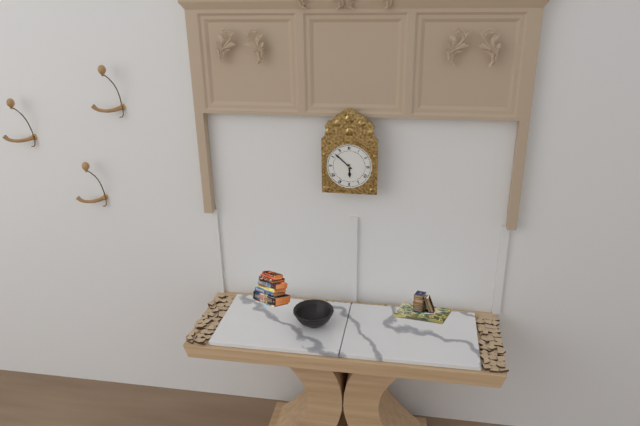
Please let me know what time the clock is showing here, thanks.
5:52
